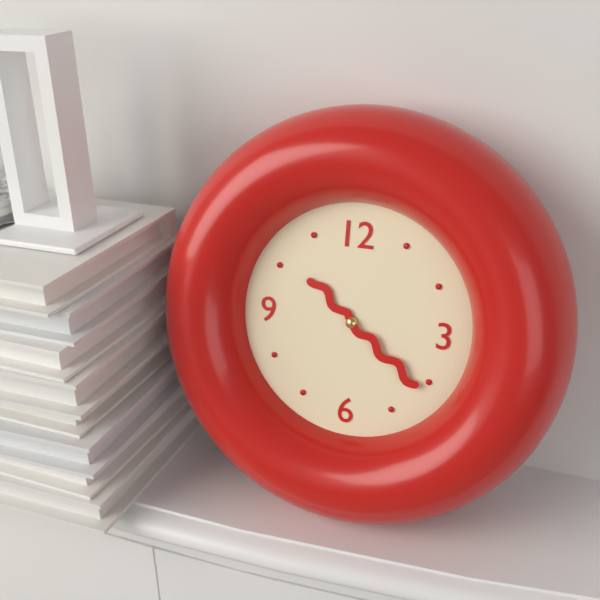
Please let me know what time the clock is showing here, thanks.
10:21
